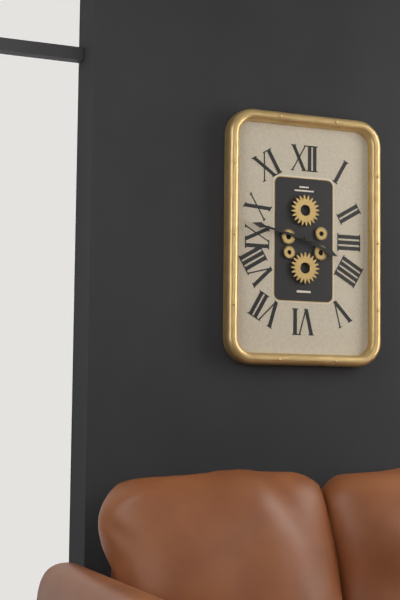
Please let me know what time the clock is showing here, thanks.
3:47
